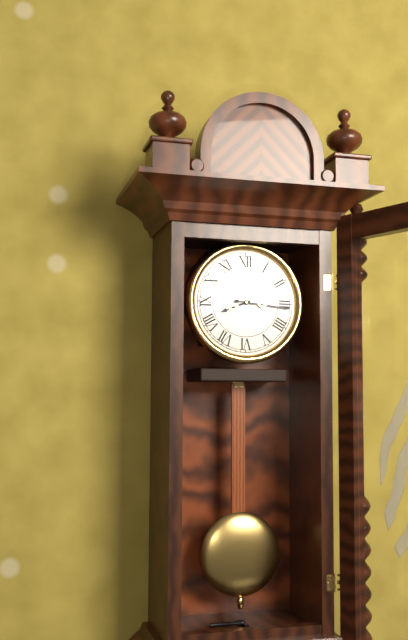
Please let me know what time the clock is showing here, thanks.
8:16
